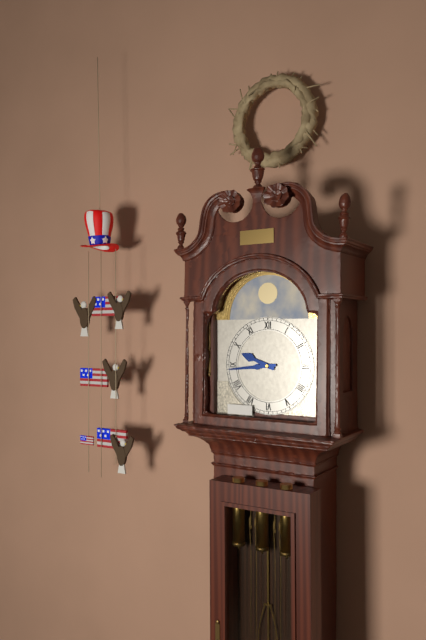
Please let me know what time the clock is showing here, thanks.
9:44
